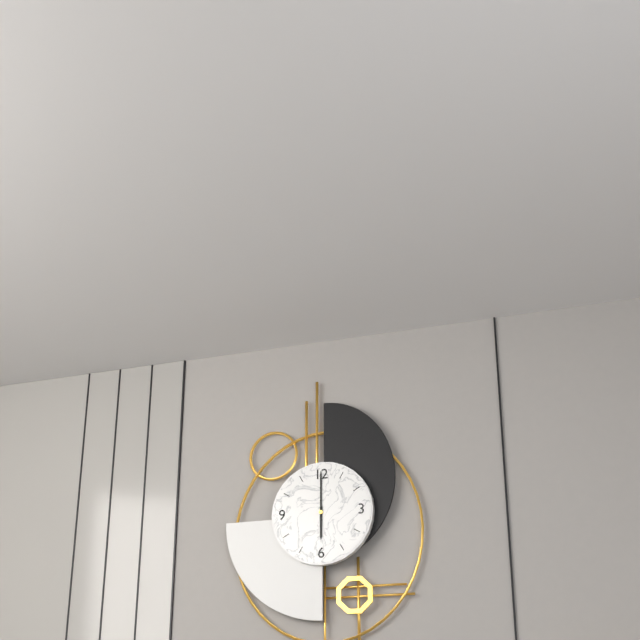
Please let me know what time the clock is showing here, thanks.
6:00
